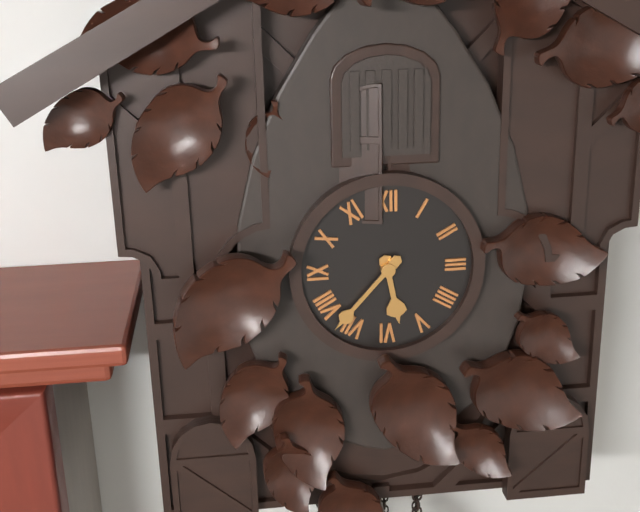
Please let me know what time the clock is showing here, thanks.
5:37
